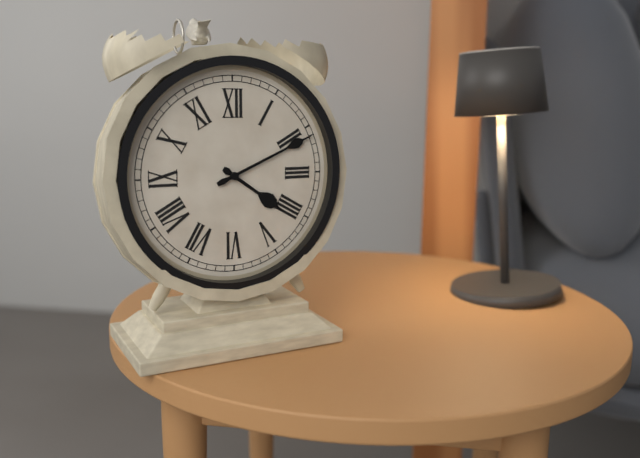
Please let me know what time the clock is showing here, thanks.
4:11
